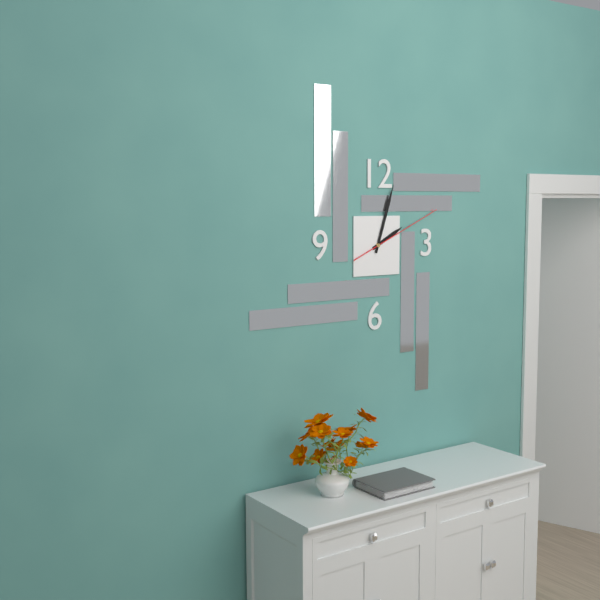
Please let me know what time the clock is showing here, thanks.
2:03:11
